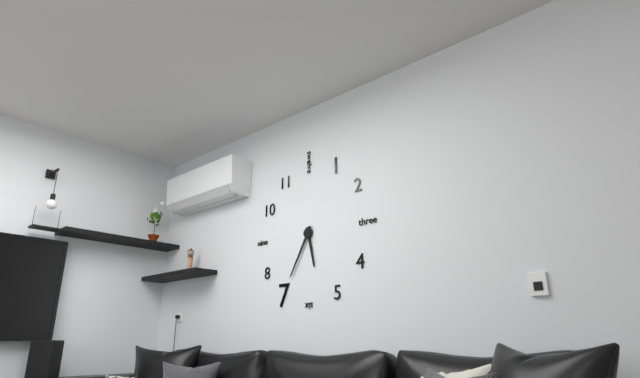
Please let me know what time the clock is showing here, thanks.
5:35
